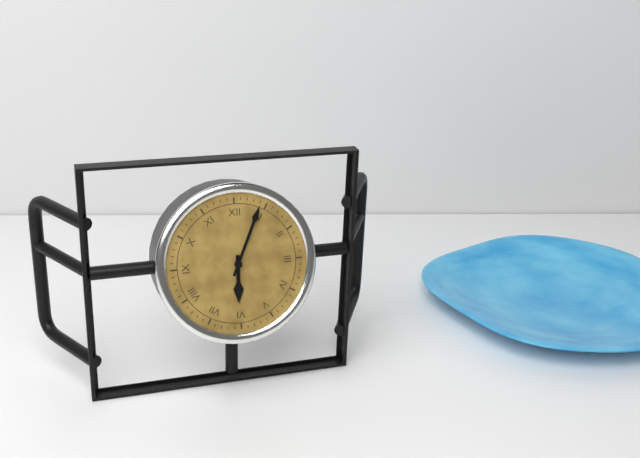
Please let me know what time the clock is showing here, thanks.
6:04
